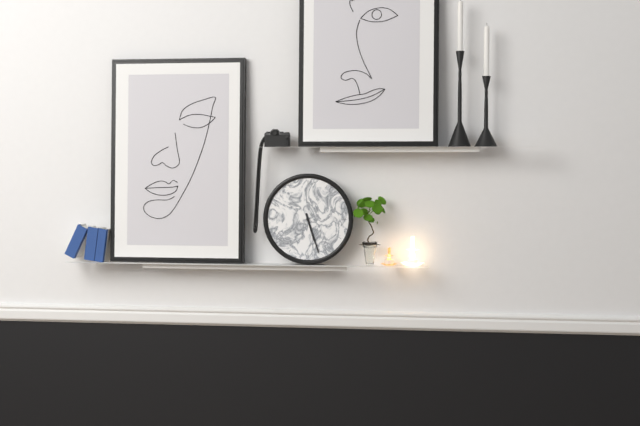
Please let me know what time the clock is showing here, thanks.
5:27
